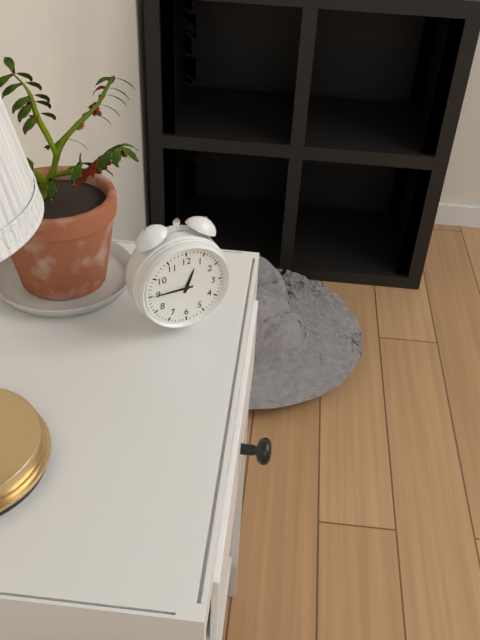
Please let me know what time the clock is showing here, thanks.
12:45
